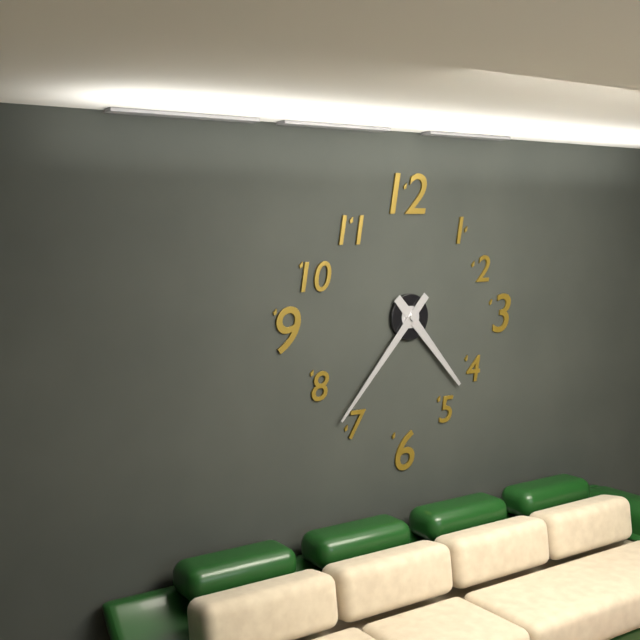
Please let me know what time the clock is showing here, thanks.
4:37
